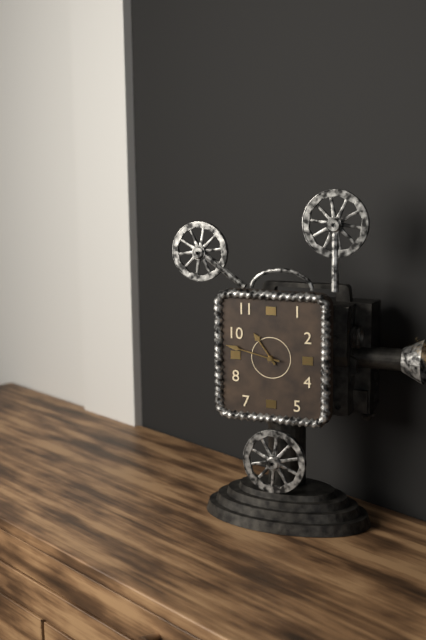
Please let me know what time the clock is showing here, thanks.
10:47
